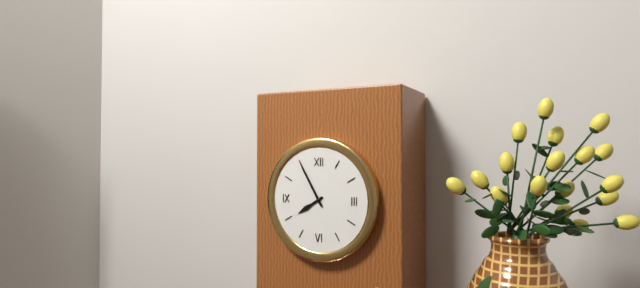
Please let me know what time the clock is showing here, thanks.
7:55
